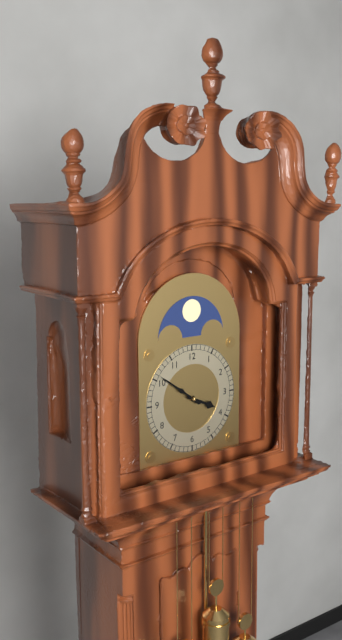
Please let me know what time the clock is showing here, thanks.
3:51
